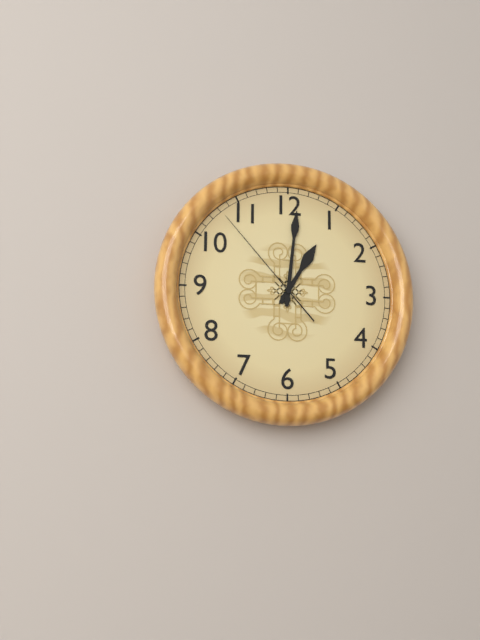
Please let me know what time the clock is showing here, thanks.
1:01:53
